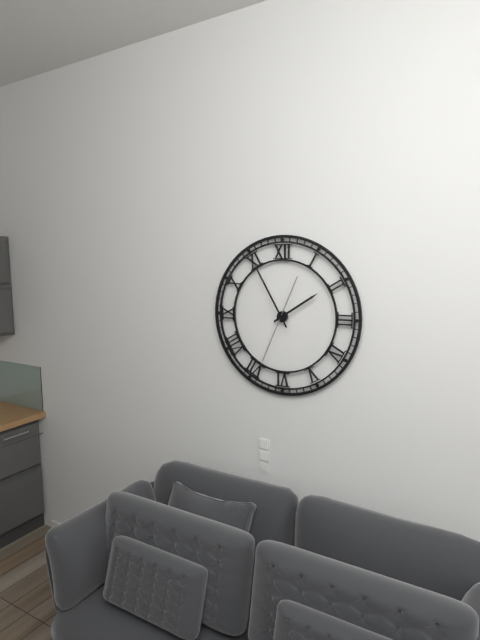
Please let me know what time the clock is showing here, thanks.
1:55:34
